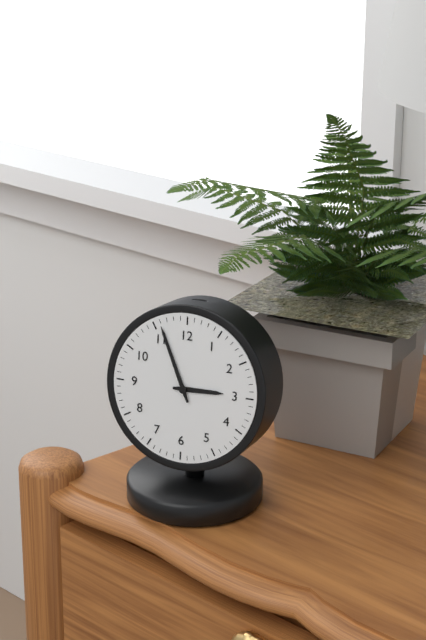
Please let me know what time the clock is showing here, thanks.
2:56
